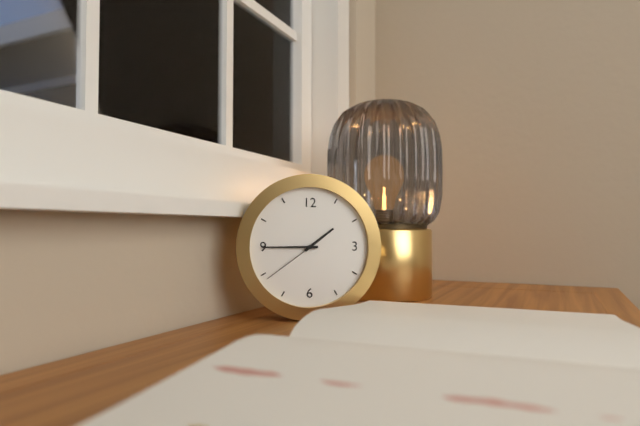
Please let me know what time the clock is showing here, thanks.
1:45:39
